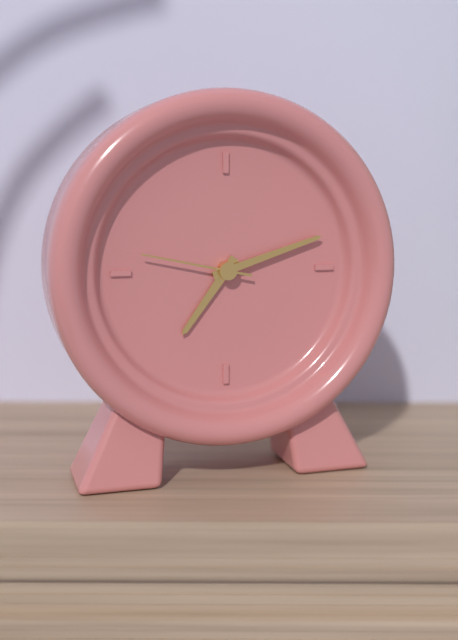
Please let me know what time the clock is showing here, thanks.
7:12:47
